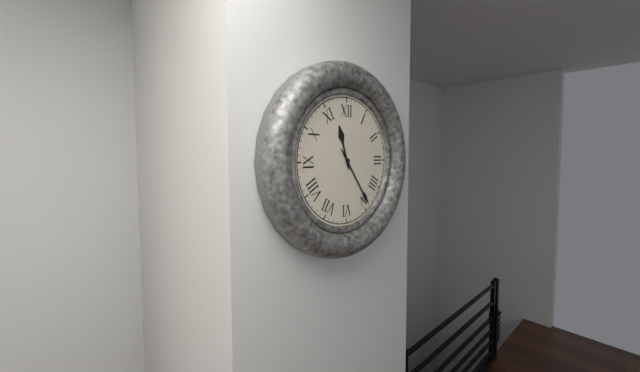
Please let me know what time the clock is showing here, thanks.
11:24
